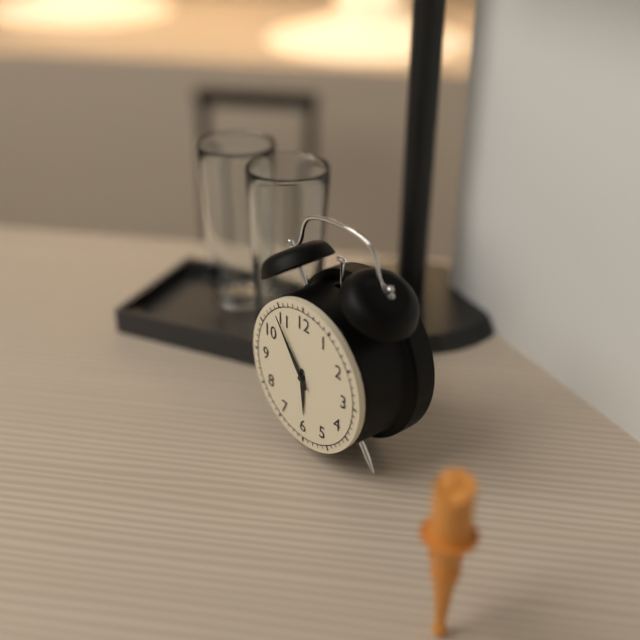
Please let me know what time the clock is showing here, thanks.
5:54
